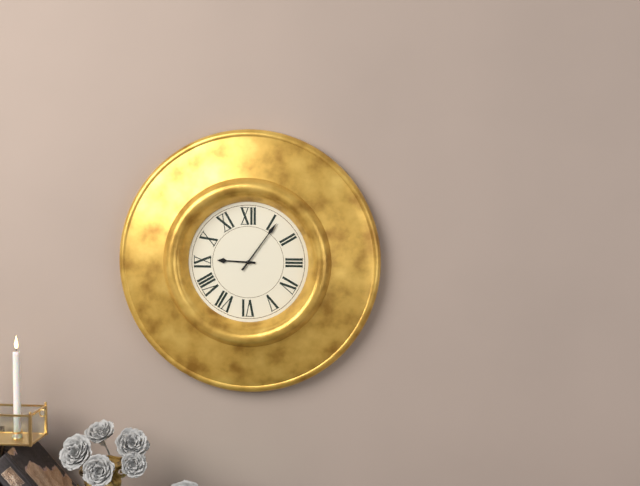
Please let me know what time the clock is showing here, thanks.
9:06
